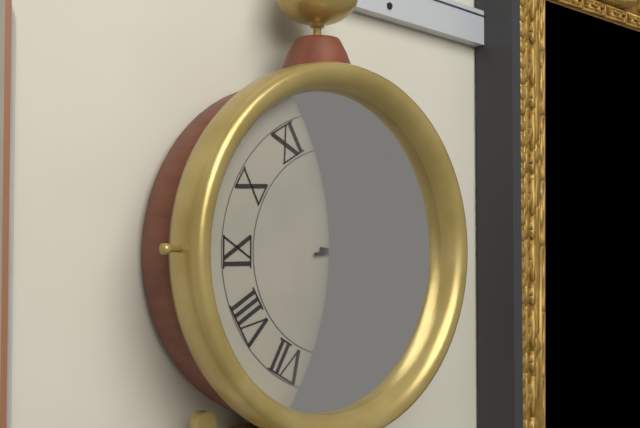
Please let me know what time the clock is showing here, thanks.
3:14
